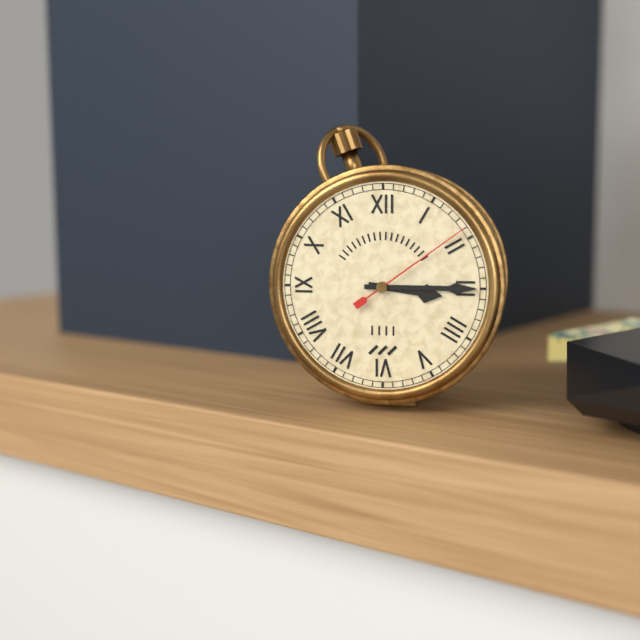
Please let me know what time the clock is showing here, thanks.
3:15:09
